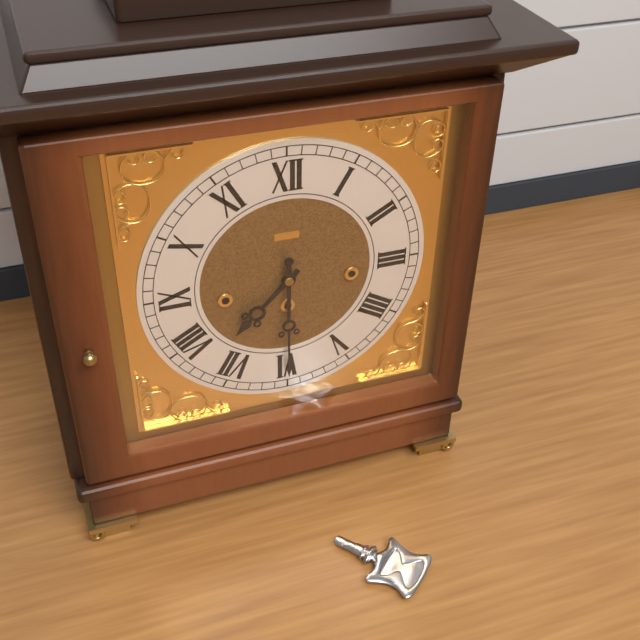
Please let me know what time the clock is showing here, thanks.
7:30
